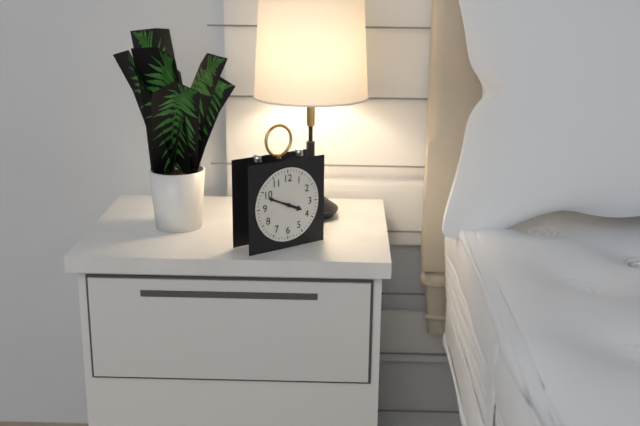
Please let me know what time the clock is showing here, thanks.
3:49
